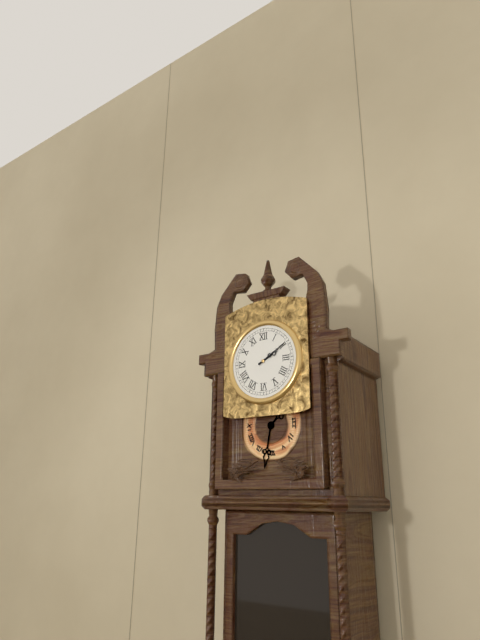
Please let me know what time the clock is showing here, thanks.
2:10
